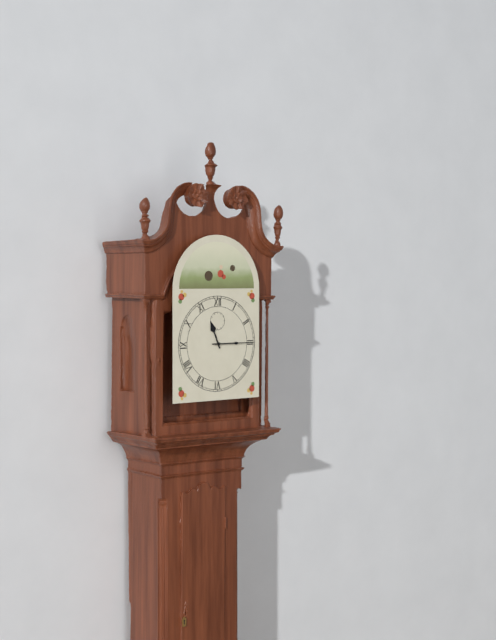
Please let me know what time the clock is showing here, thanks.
11:15
